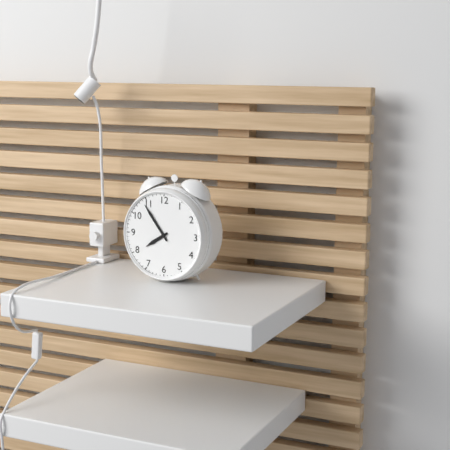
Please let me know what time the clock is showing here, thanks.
7:54
